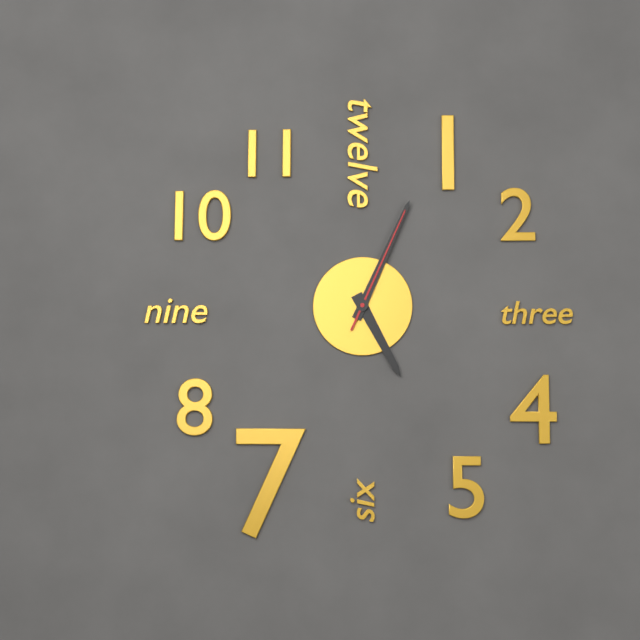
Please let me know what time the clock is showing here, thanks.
5:04:04
